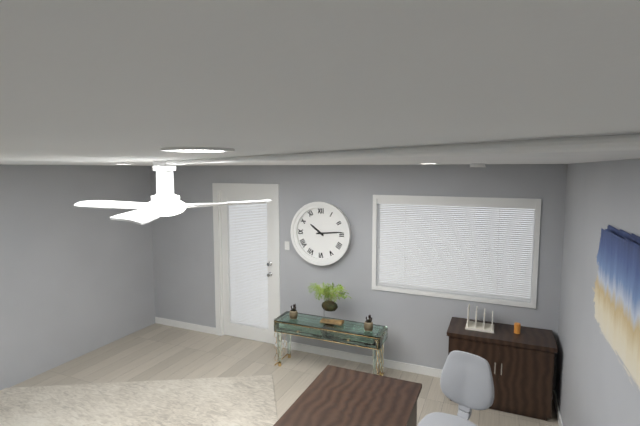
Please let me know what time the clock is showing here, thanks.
10:14
